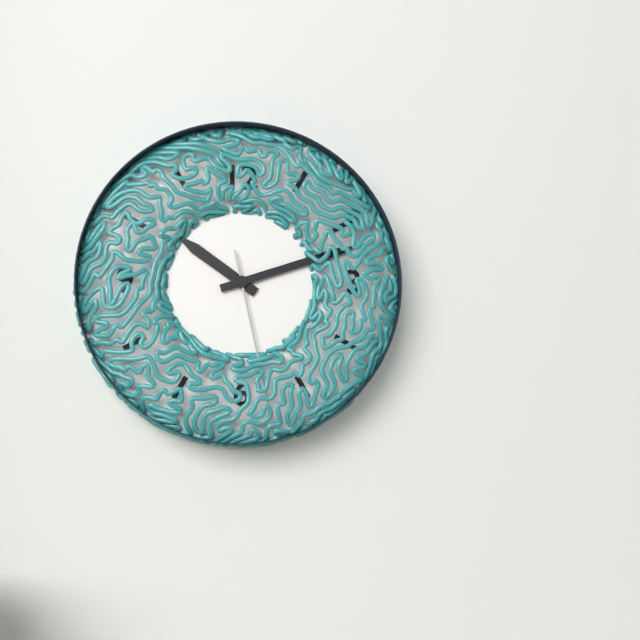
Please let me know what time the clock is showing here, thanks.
10:12
